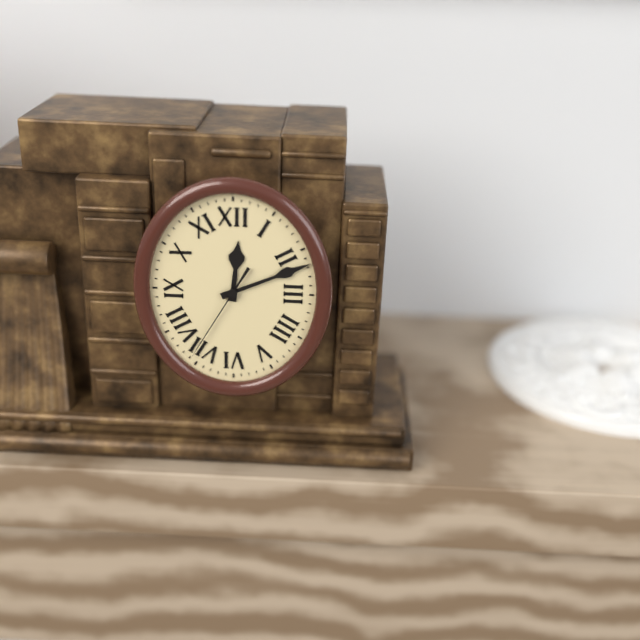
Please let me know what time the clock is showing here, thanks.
12:11:35
